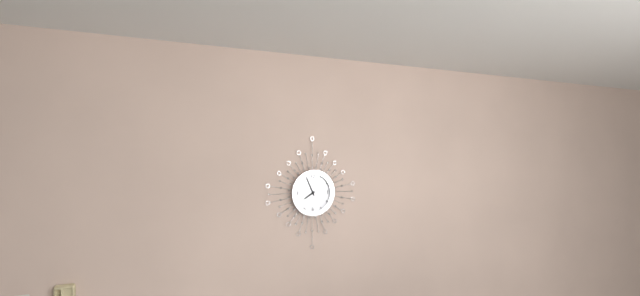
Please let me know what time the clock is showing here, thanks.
7:56
